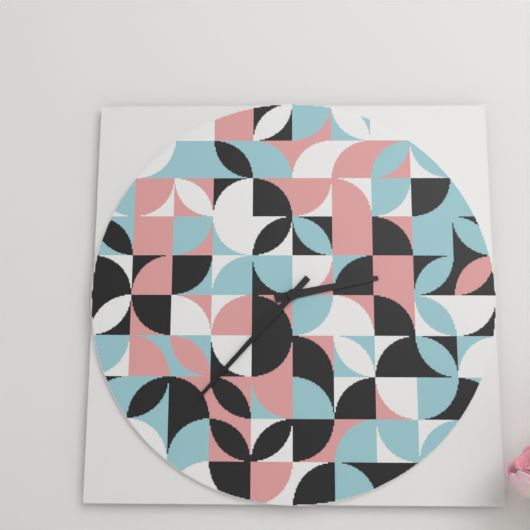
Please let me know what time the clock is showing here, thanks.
2:37
